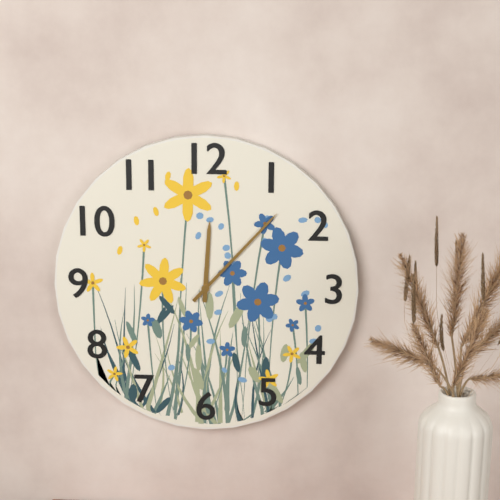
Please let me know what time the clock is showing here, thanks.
12:07
